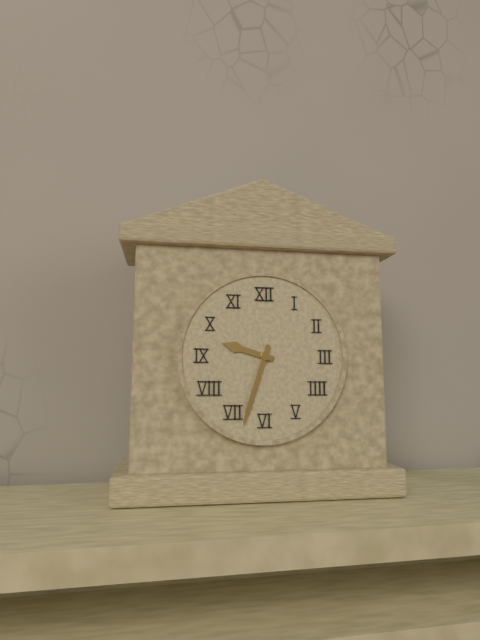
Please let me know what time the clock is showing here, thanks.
9:33
